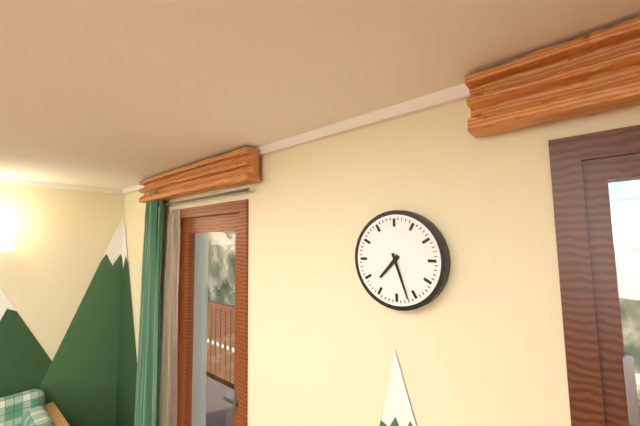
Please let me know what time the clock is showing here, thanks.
7:27
